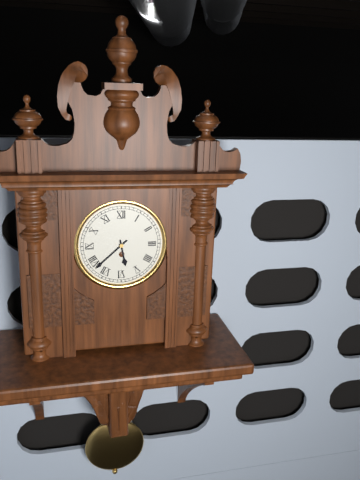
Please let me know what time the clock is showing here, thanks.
5:38
